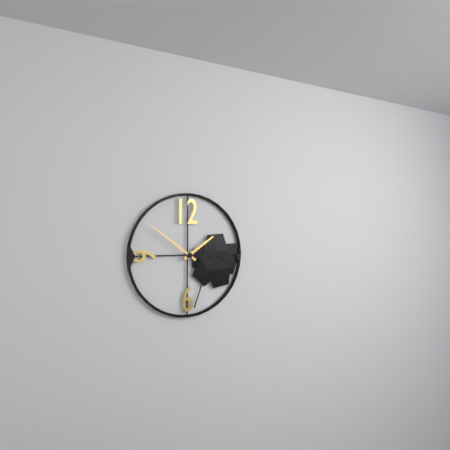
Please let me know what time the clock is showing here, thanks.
1:51
